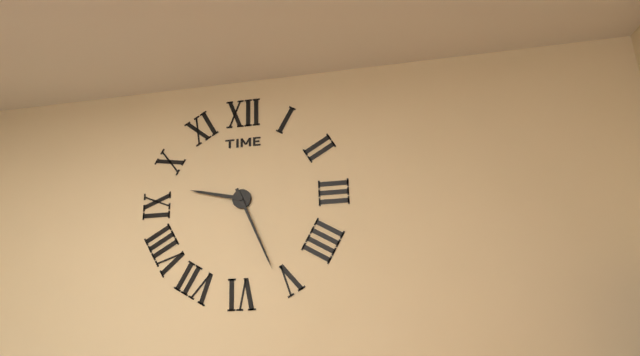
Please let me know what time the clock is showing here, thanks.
9:26
